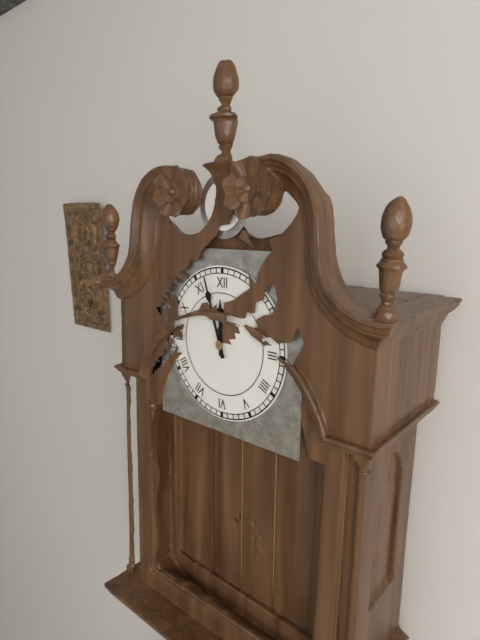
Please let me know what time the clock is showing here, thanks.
11:57
